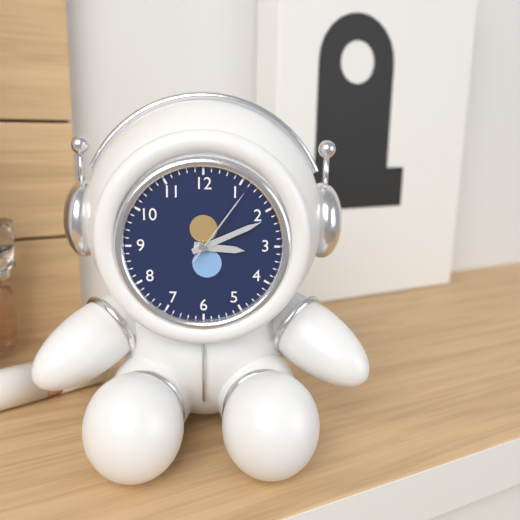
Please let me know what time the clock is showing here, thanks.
3:11:06
